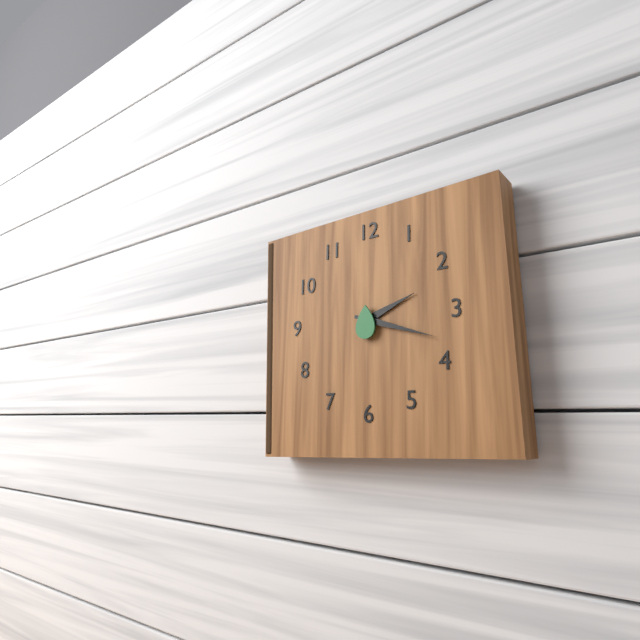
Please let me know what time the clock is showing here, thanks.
2:18
